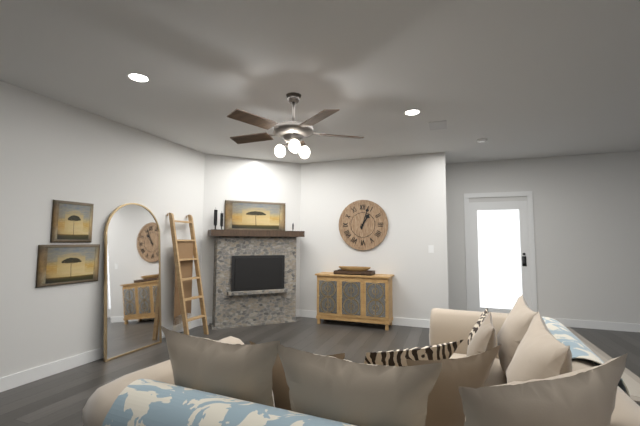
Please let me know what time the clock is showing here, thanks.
1:03
